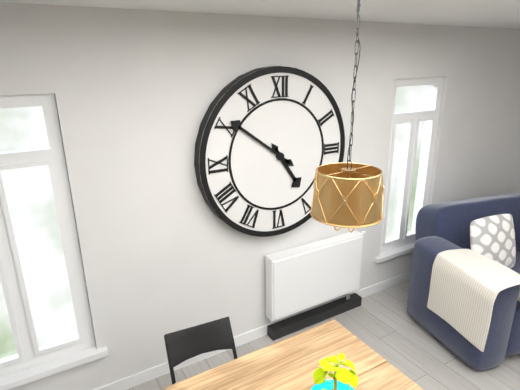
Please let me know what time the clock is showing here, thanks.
4:51
